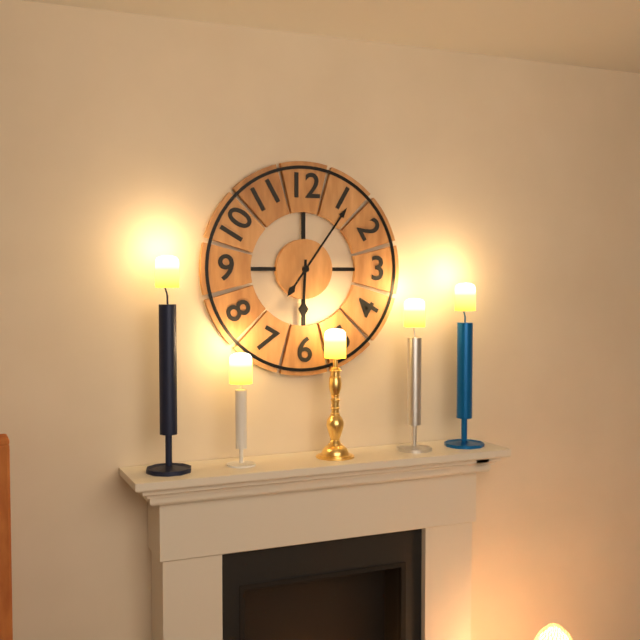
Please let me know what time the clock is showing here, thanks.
6:06
